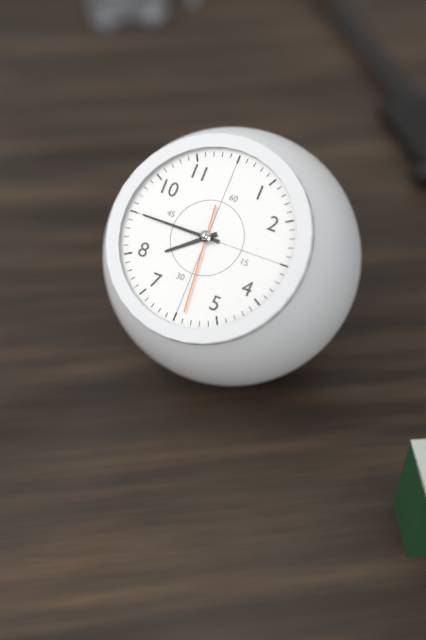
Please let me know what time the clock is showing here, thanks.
7:45:29
